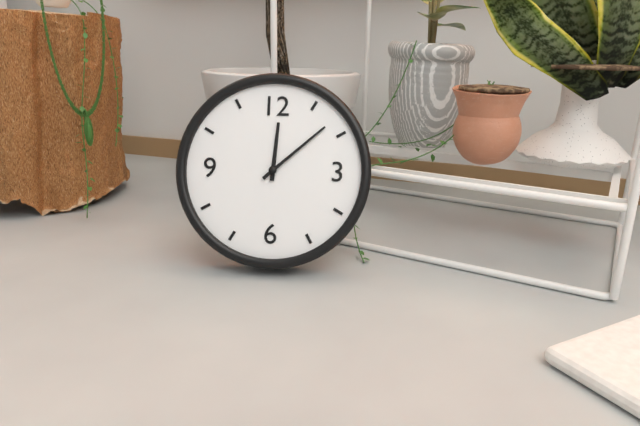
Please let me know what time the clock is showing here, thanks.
12:08
